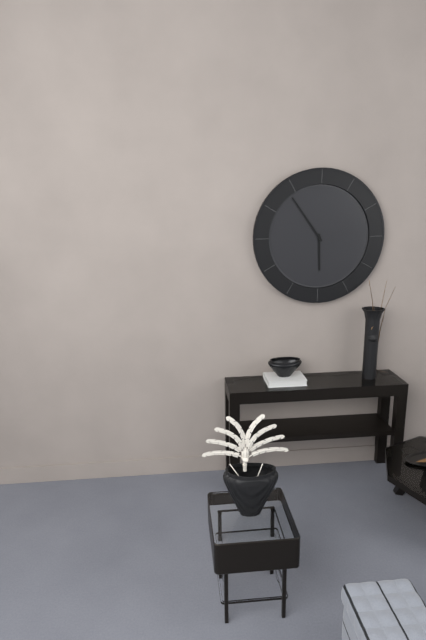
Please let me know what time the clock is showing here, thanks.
5:54
